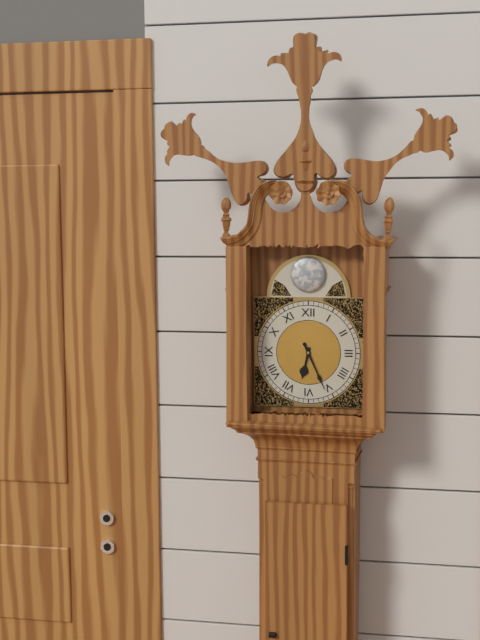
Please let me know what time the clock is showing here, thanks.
6:26
